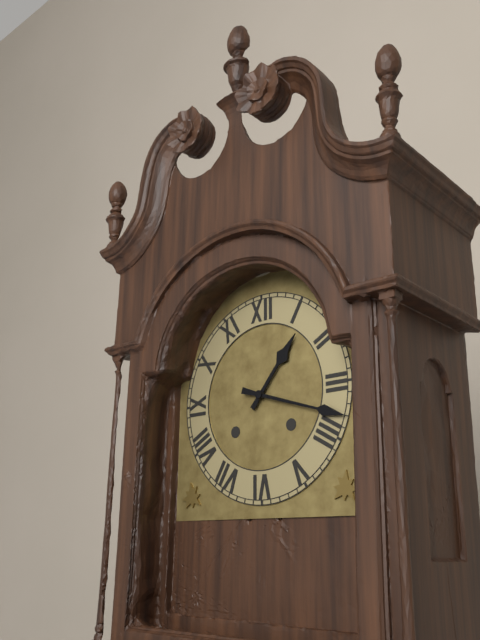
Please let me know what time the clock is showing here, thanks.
1:18
